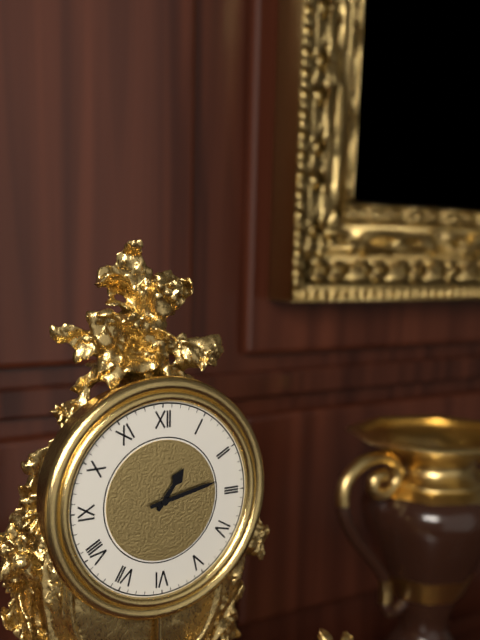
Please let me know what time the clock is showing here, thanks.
1:13
